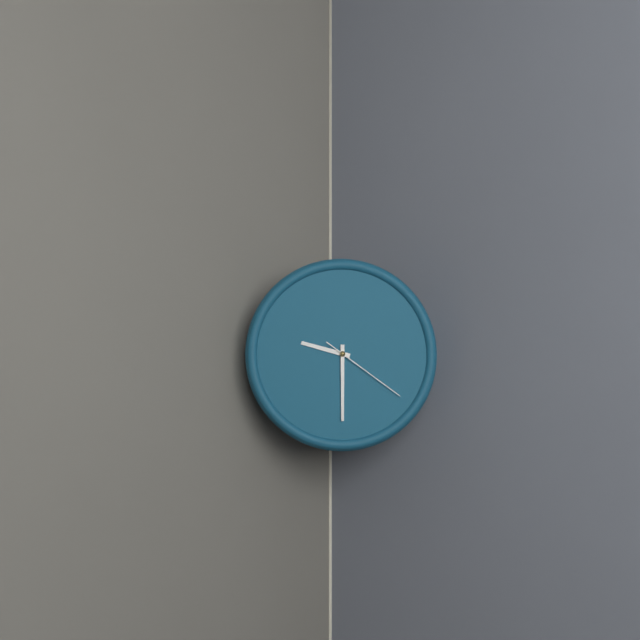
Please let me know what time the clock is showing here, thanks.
9:30:21
